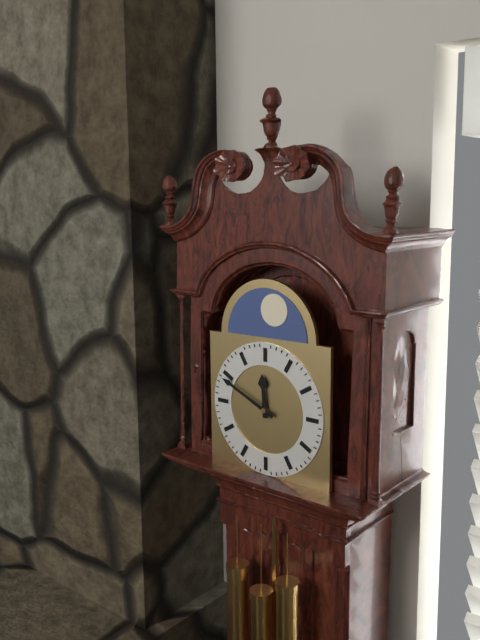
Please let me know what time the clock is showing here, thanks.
11:49
